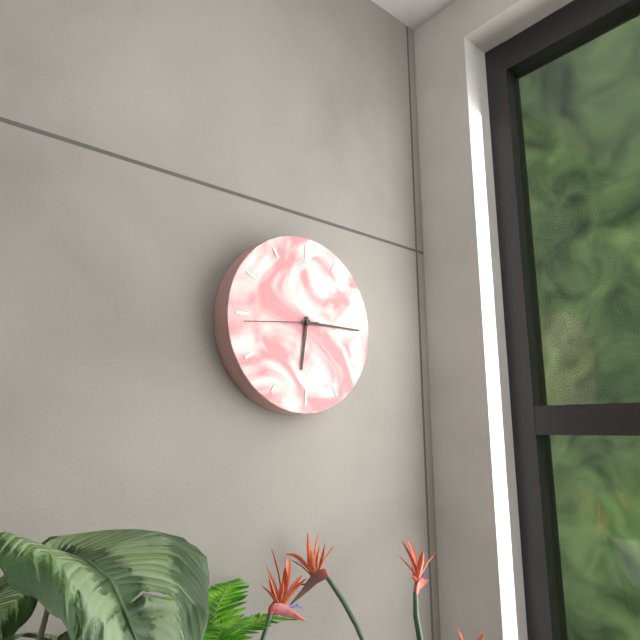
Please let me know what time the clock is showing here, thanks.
6:15:44
